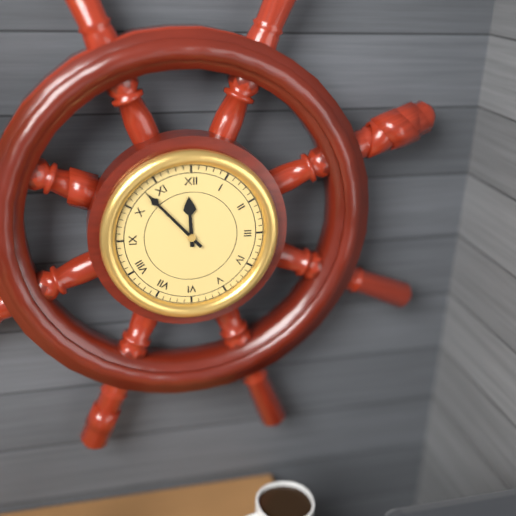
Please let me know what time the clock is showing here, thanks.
11:53
